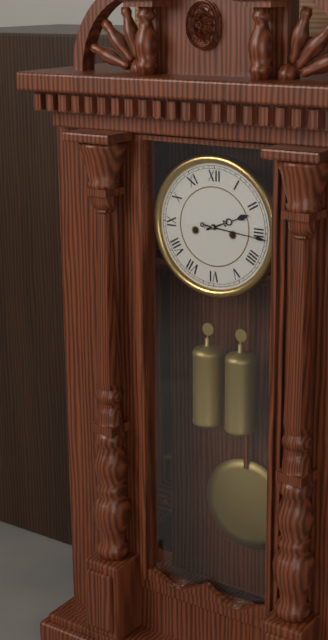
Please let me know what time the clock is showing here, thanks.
2:16
